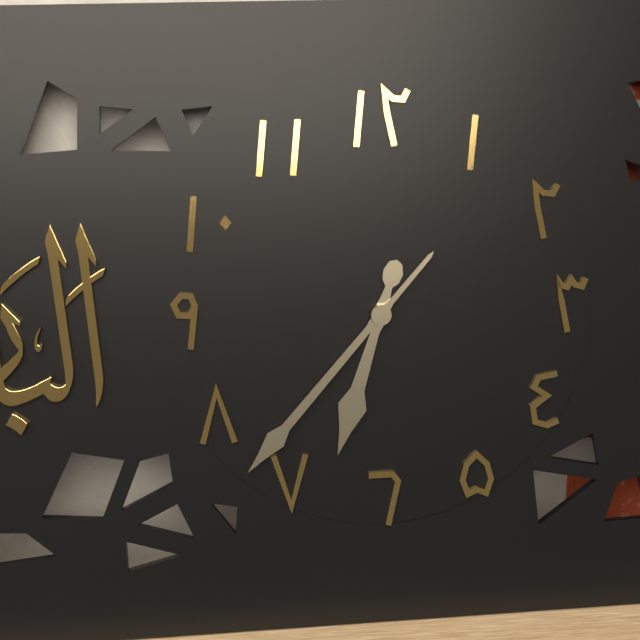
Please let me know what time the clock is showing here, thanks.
6:37
